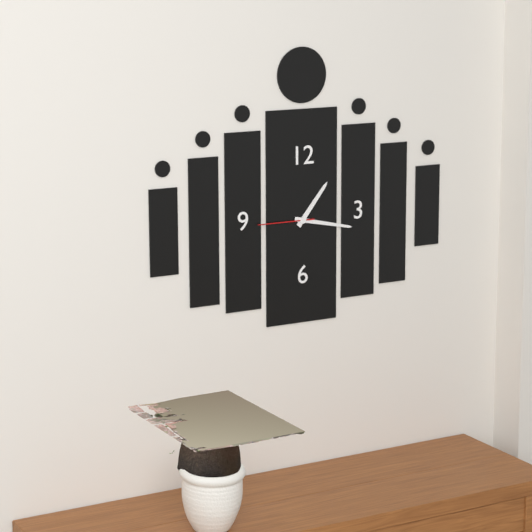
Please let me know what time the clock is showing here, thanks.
1:17:45
